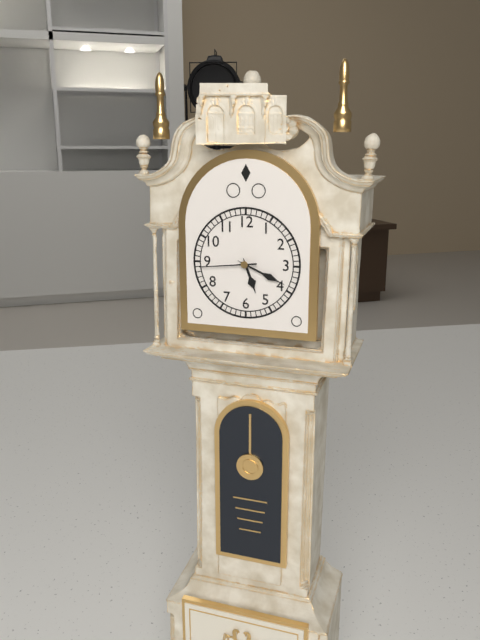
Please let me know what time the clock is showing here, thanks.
5:19:44
